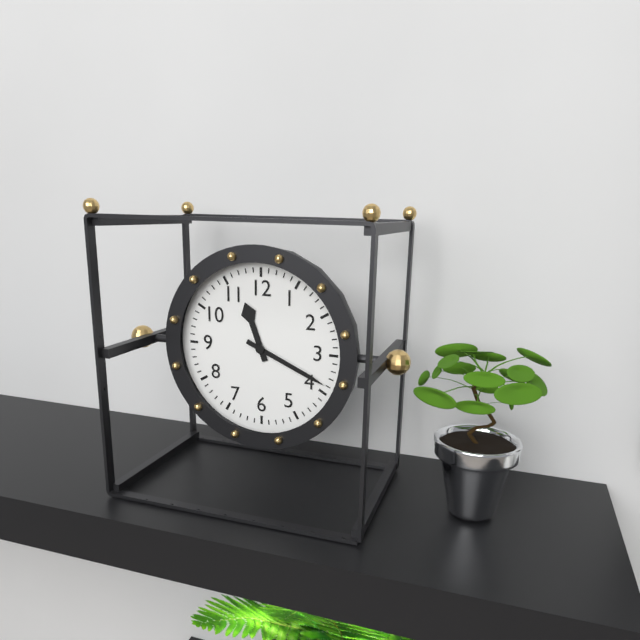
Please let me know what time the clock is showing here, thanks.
11:19
